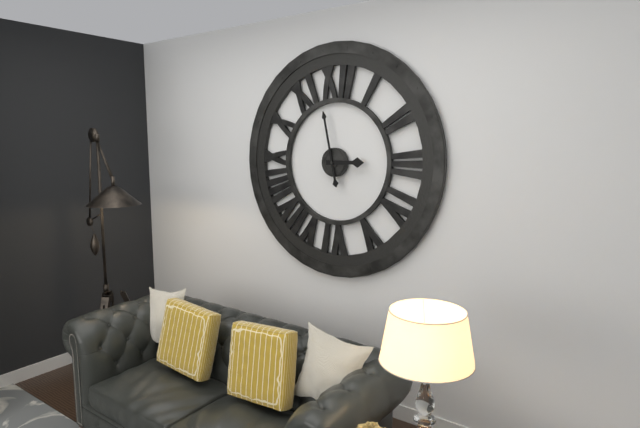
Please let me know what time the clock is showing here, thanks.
2:58
